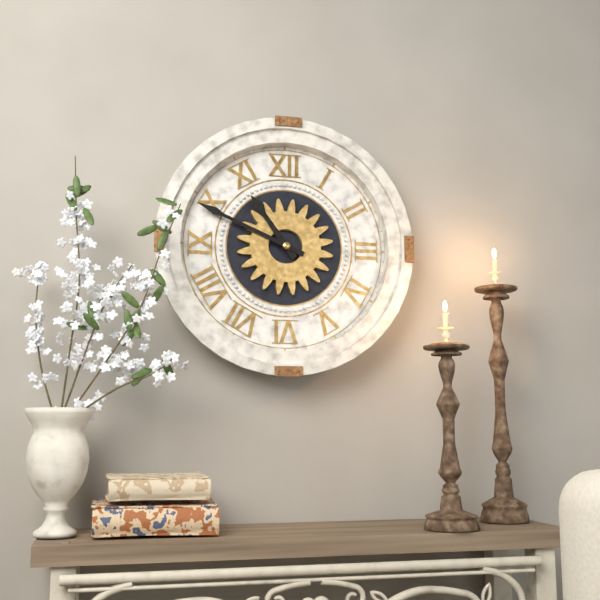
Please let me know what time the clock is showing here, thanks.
10:49
